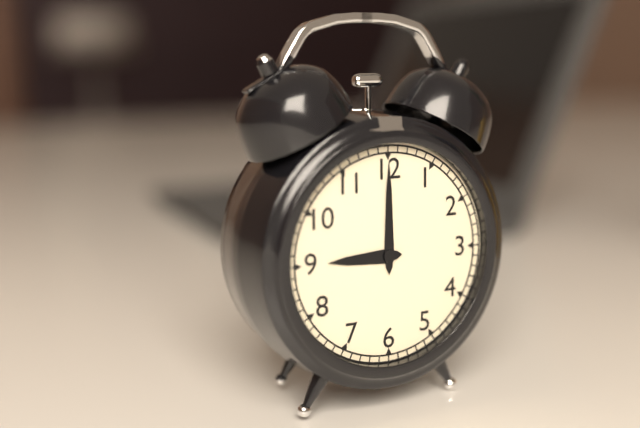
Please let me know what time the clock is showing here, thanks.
9:00
